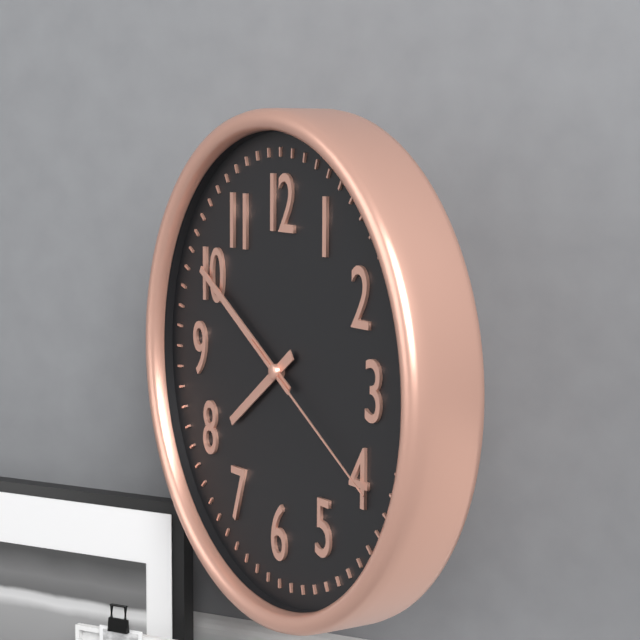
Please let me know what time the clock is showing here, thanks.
7:50:20
